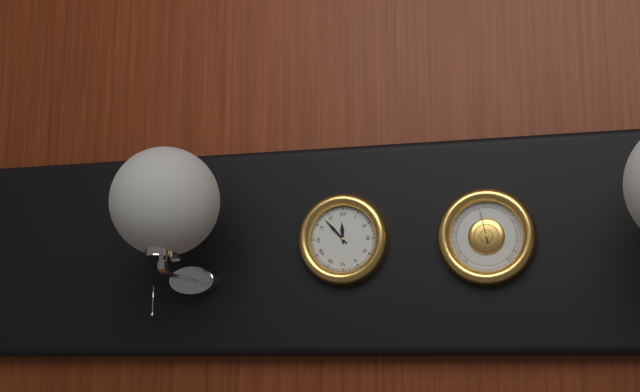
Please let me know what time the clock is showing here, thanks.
11:53
